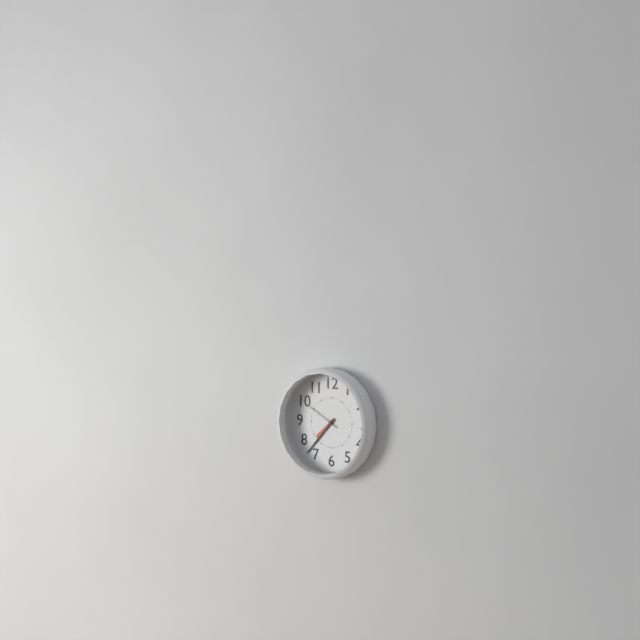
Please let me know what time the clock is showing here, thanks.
7:37
